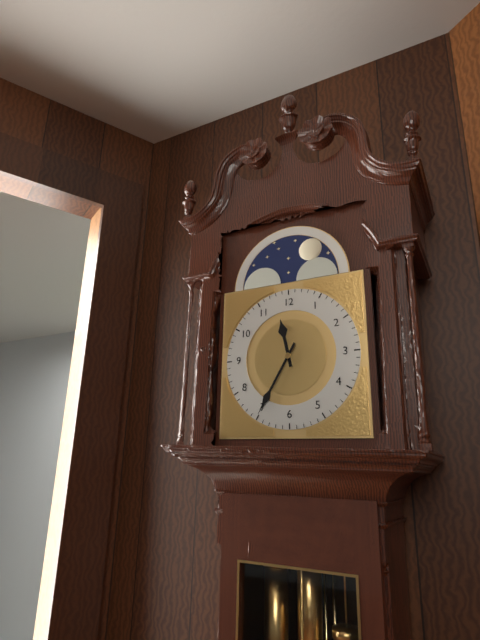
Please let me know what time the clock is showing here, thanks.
11:35
